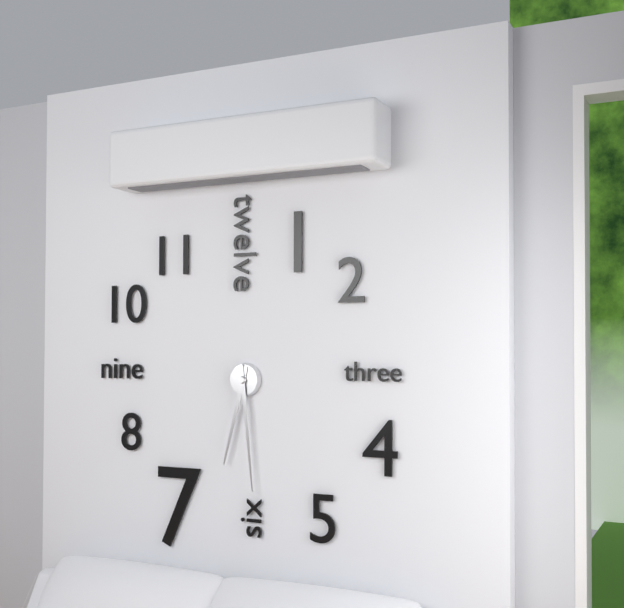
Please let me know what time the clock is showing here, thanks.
6:29
